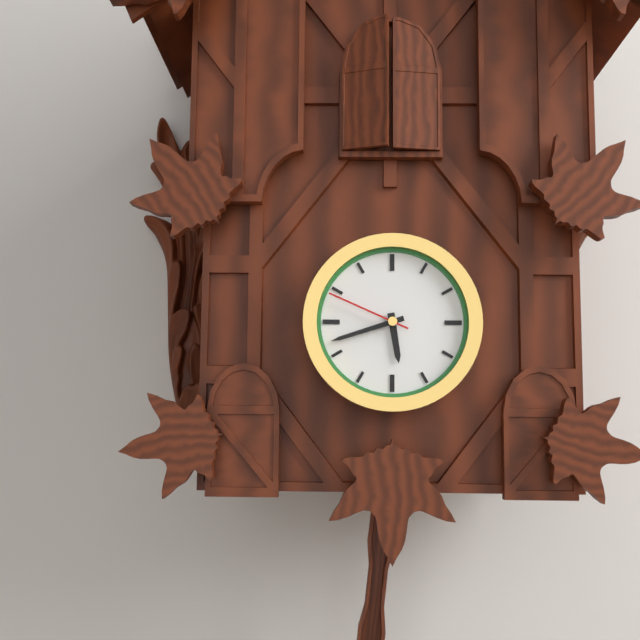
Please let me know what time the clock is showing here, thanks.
5:42:49
